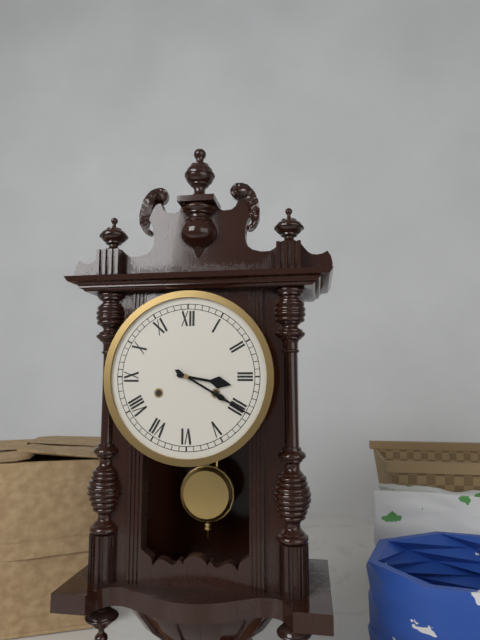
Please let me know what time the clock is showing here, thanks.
3:20
